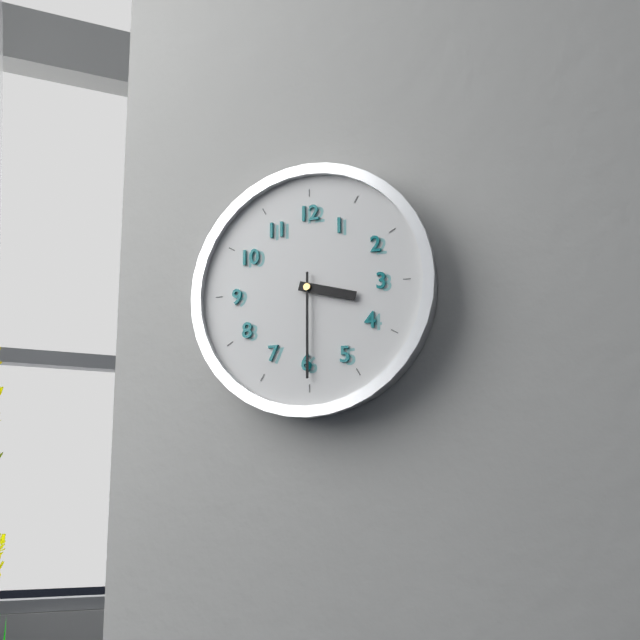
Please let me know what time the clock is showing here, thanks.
3:30
